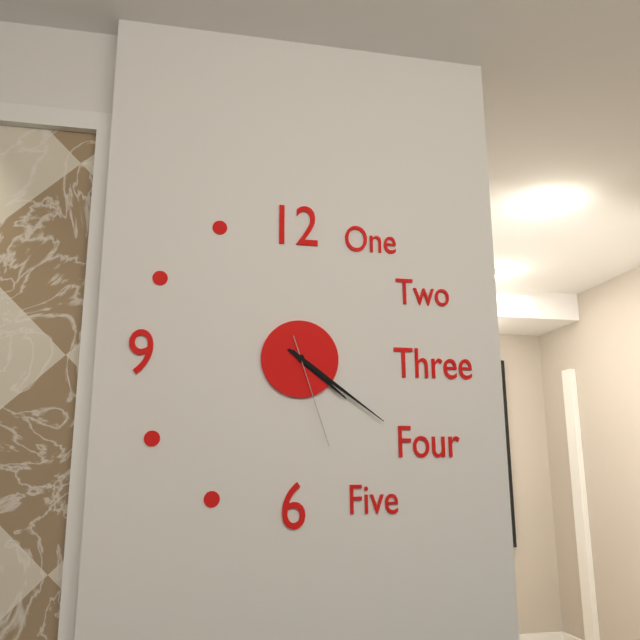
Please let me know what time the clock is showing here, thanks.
4:21:27
